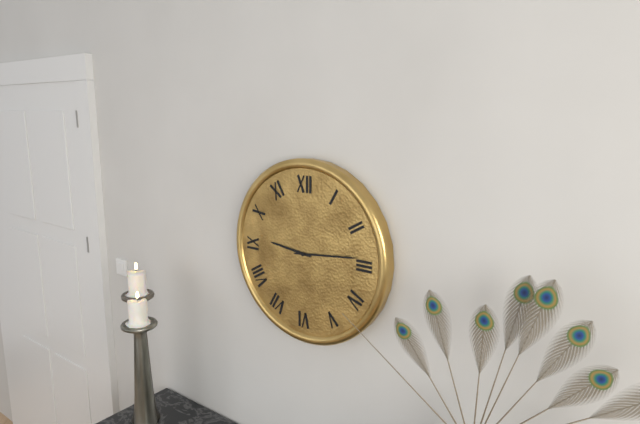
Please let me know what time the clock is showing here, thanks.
9:14
